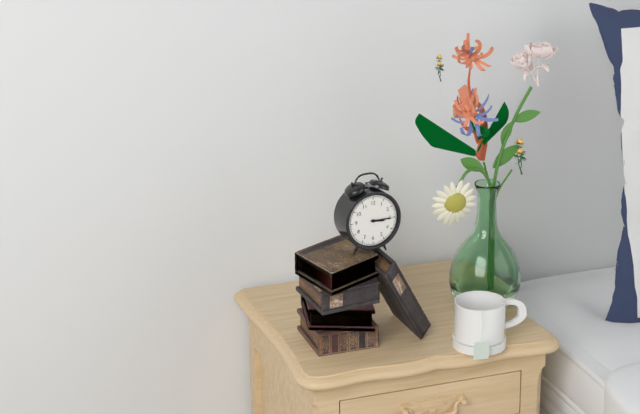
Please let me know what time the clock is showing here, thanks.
3:15
